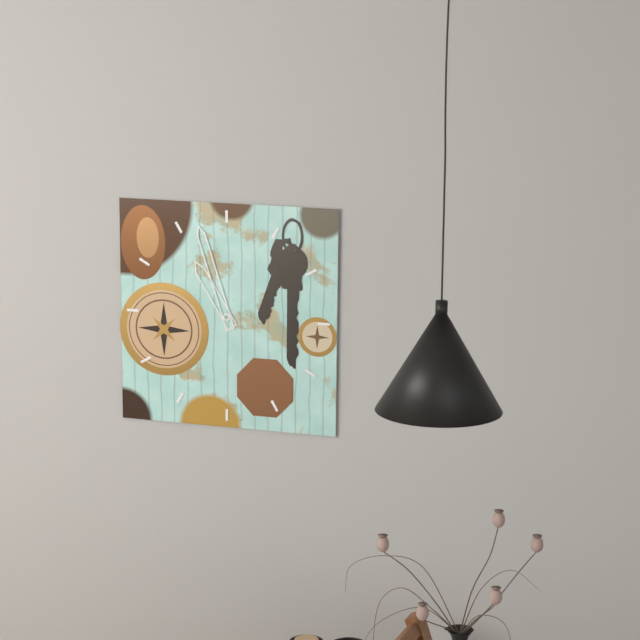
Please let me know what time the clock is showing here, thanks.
10:57
